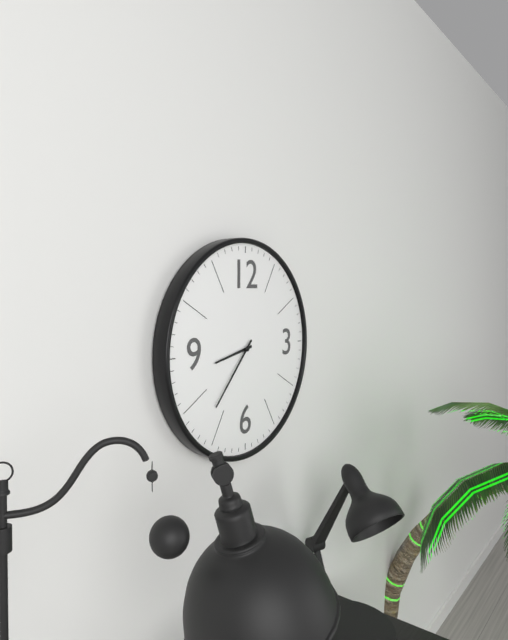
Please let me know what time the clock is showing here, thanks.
8:37
